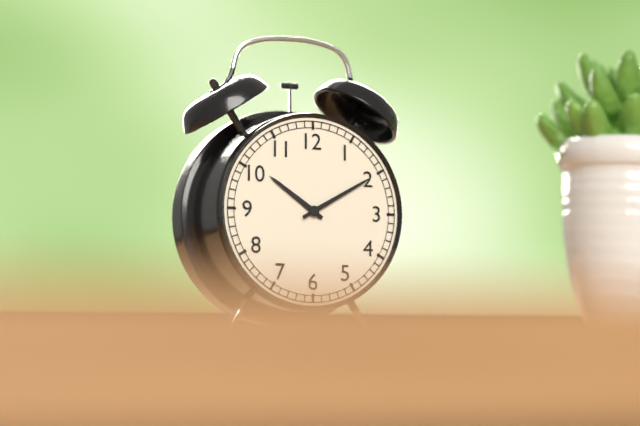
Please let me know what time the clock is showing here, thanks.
10:10
